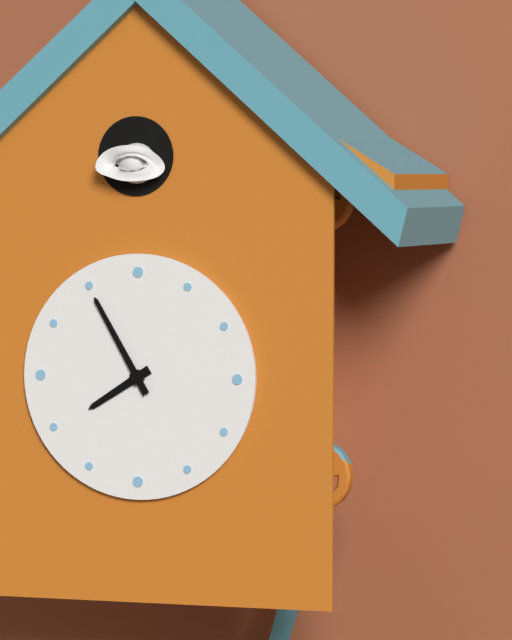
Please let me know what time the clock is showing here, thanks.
7:55
